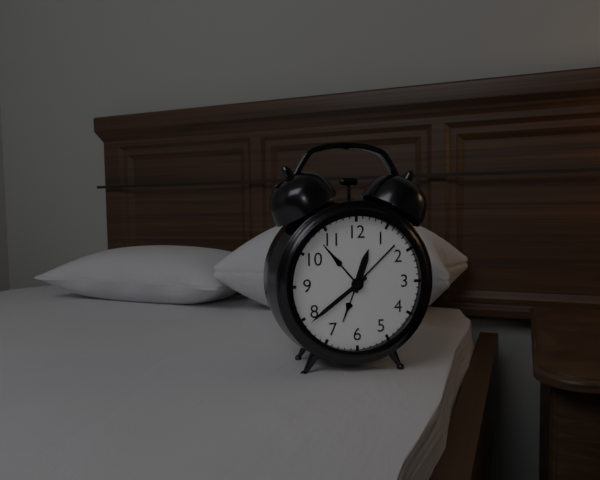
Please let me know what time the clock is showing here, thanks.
12:39
